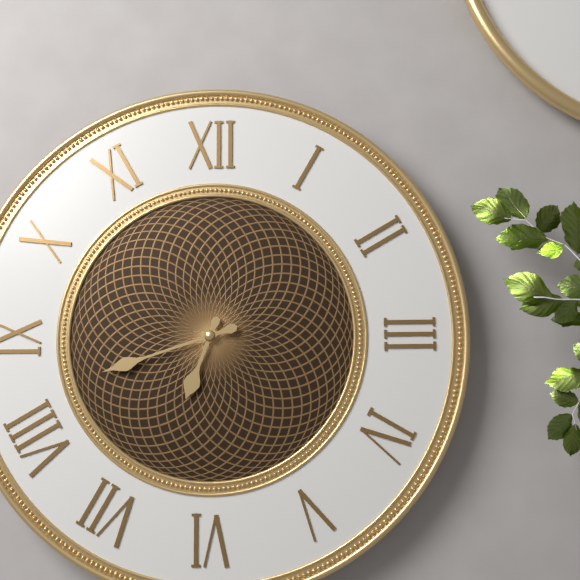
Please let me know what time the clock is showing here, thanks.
6:42
